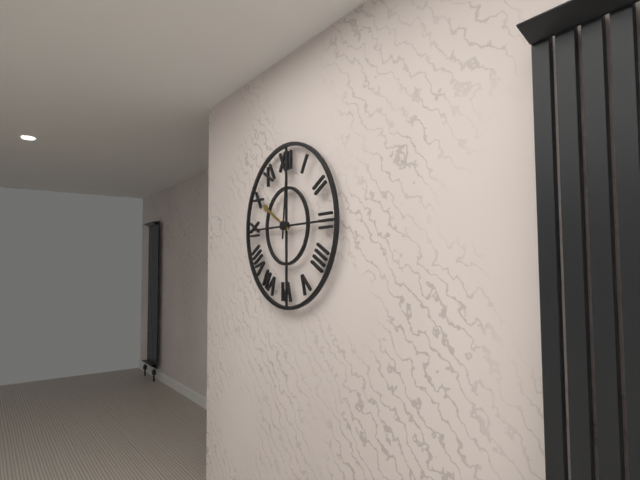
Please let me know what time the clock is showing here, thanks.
10:01
